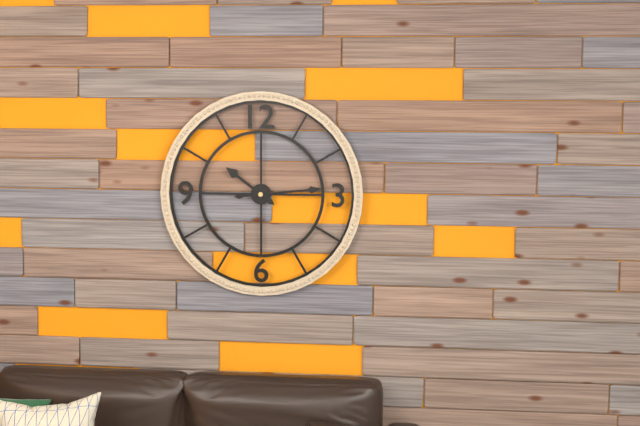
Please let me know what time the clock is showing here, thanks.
10:14
